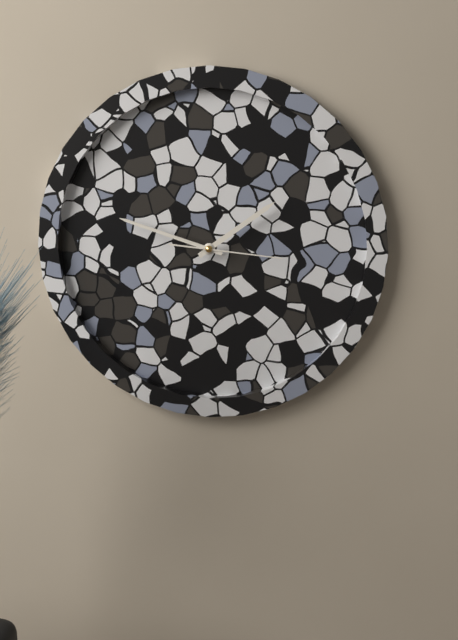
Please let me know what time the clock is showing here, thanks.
1:48:16
